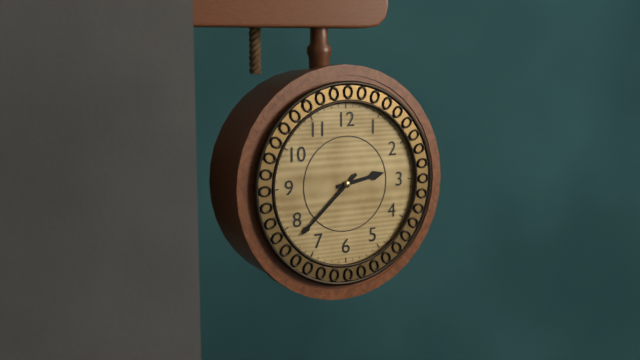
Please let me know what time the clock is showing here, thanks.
2:38
